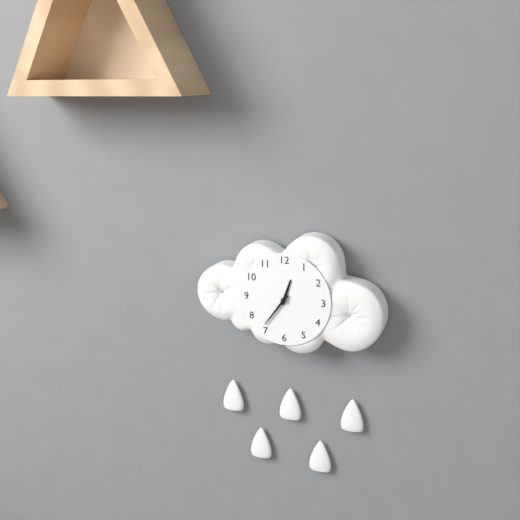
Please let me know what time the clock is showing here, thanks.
12:36
